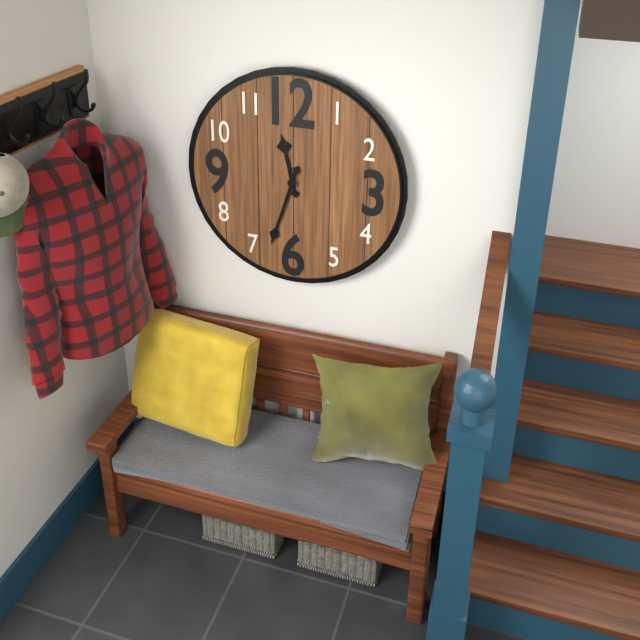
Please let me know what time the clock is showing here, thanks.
11:33
